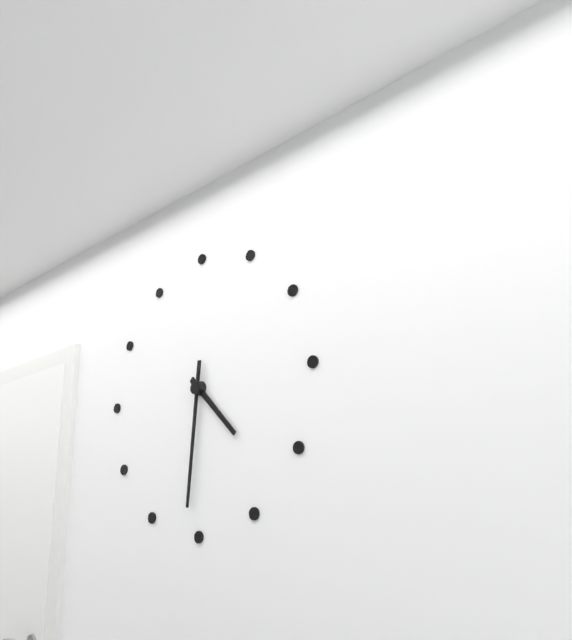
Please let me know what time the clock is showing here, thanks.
4:31
